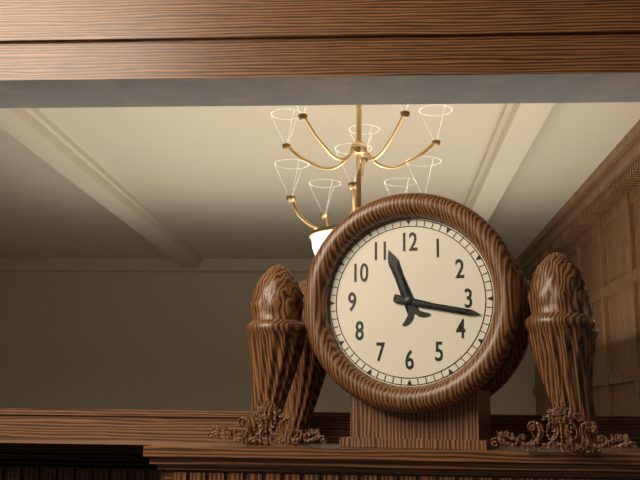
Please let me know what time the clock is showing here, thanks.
11:17
